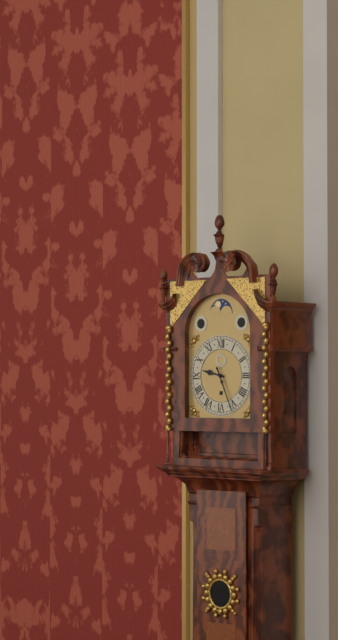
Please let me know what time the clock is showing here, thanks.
9:26
